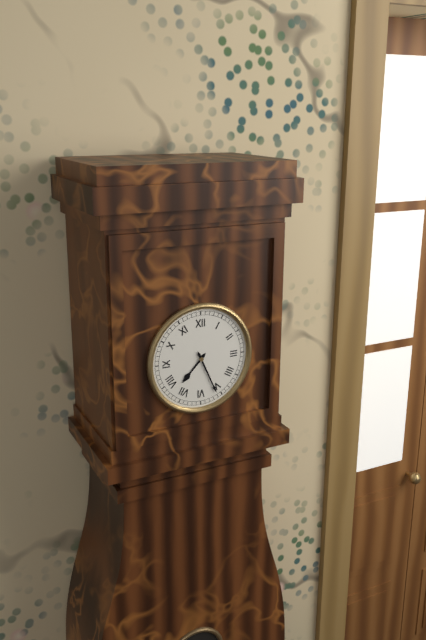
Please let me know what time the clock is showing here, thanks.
7:26
